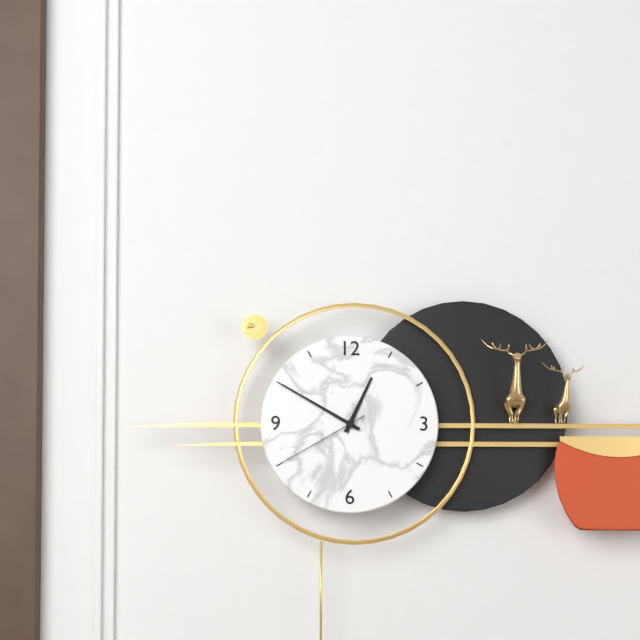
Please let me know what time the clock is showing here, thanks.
12:50:40
